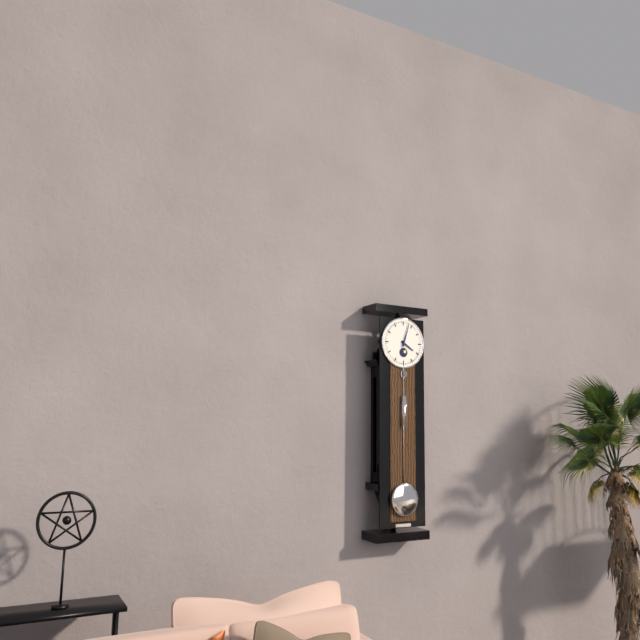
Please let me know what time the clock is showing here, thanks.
4:03
